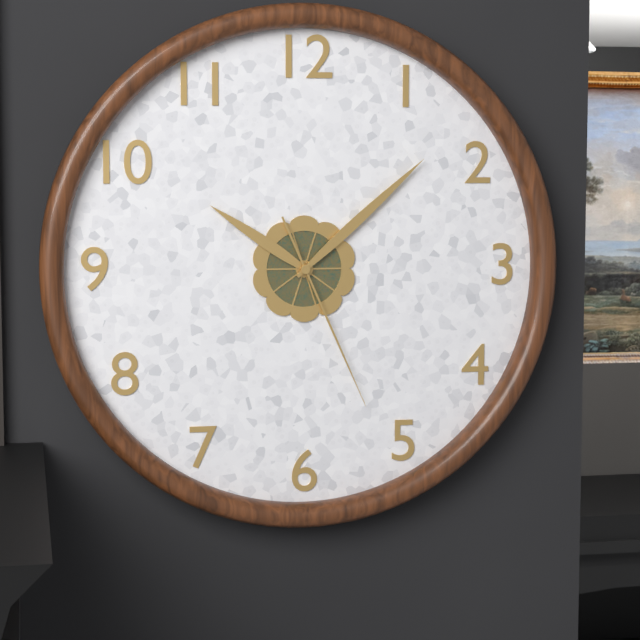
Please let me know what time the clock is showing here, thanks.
10:08:26
